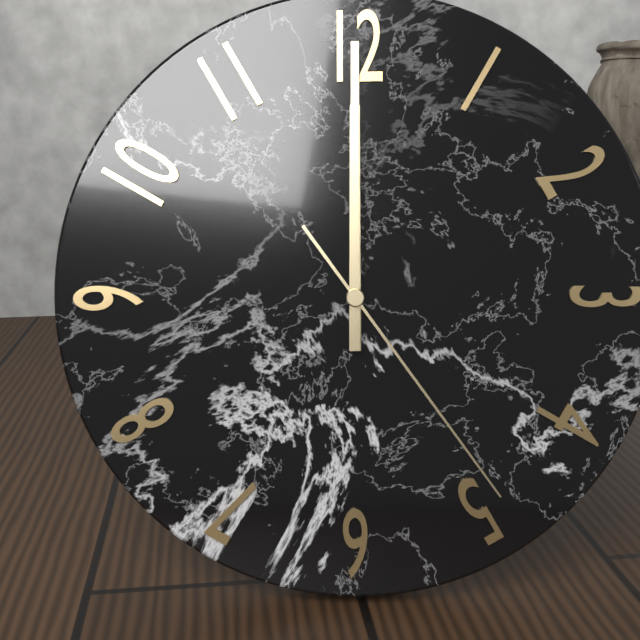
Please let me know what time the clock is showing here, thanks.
12:00:24
